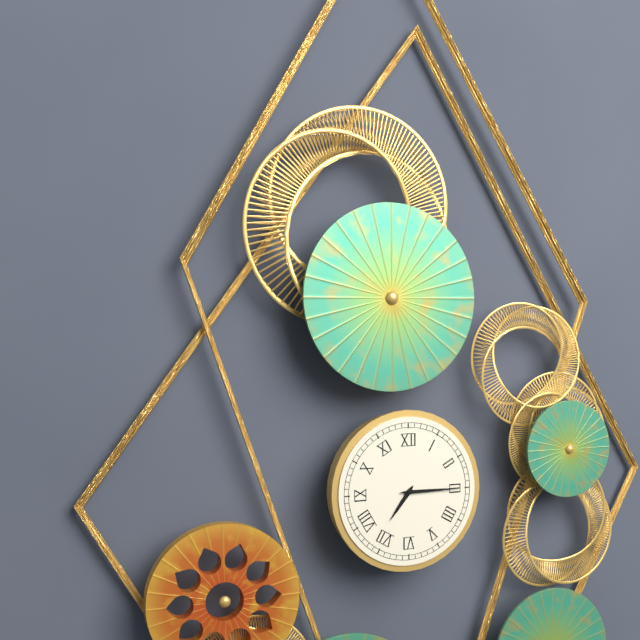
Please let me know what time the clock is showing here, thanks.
7:15
